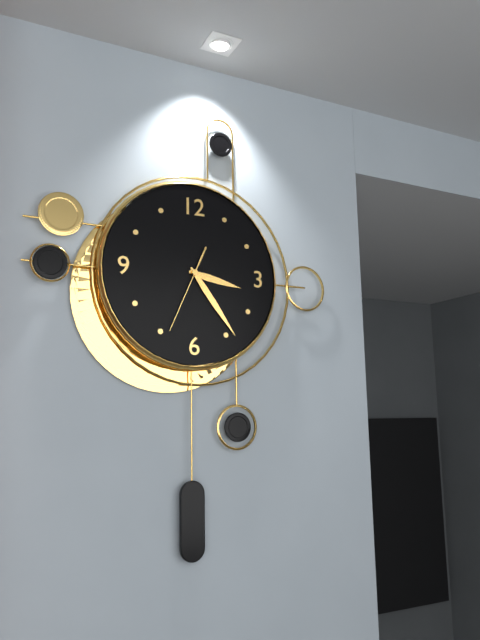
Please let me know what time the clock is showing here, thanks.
3:24:34
